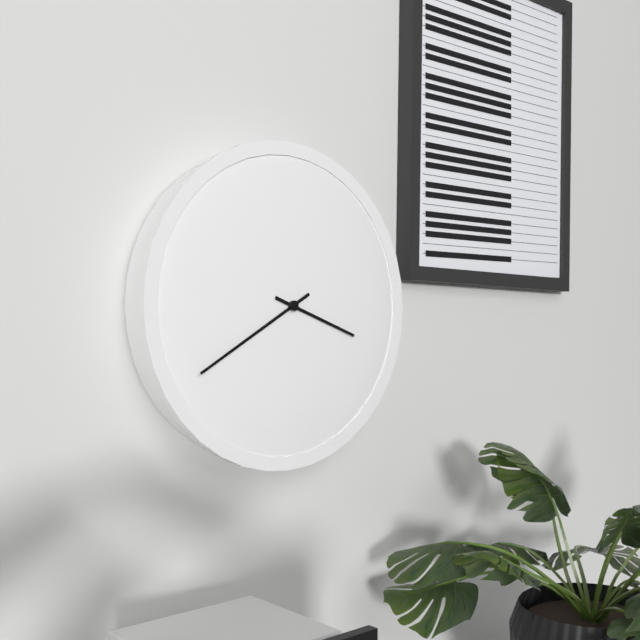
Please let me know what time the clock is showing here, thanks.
3:40
